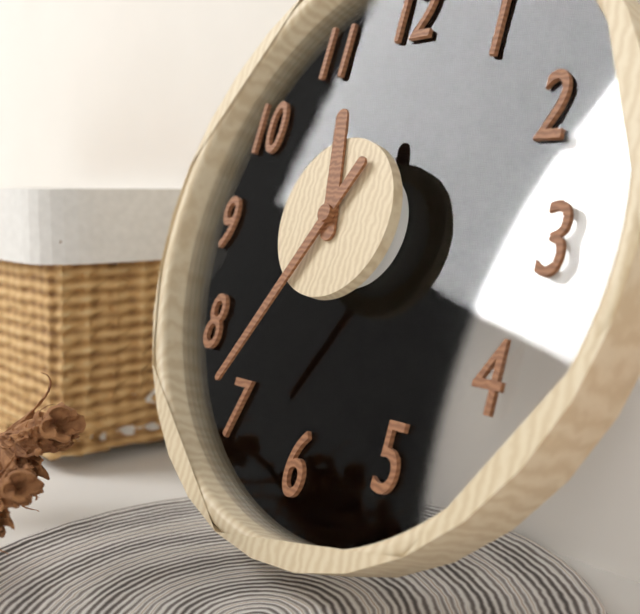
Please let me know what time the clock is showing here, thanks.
11:35
